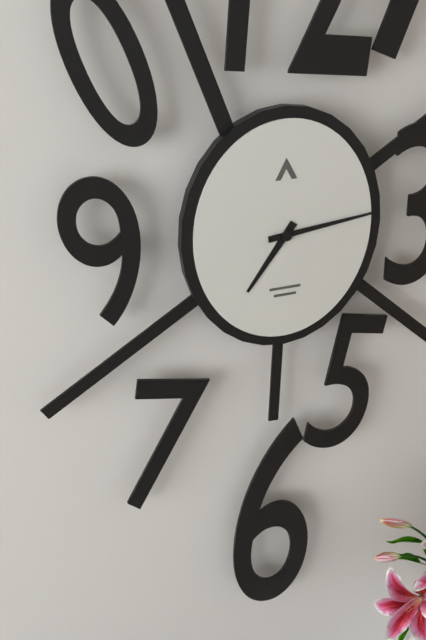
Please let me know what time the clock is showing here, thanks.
7:14
